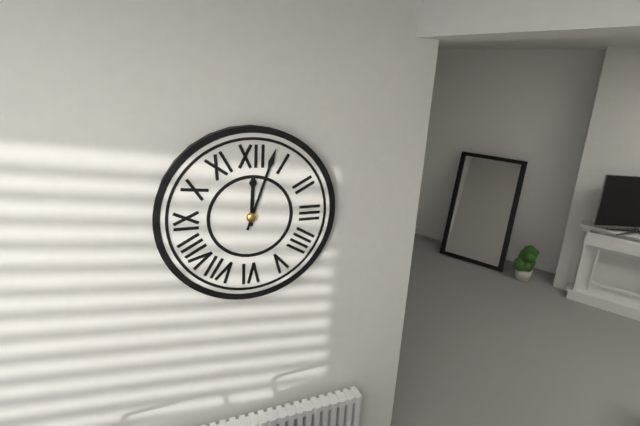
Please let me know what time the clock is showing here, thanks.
12:03
